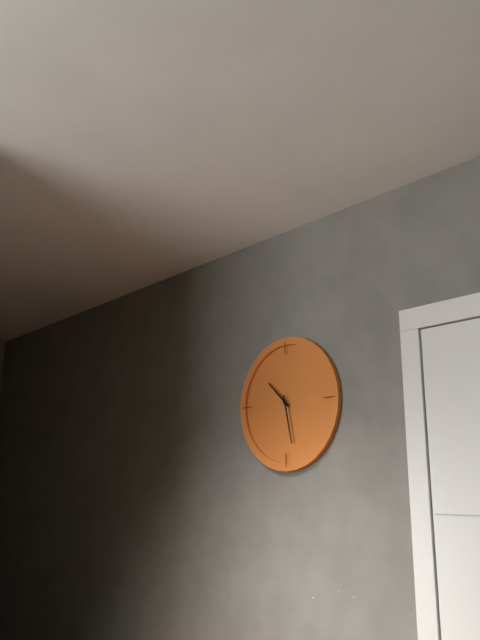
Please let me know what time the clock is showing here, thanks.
10:28
